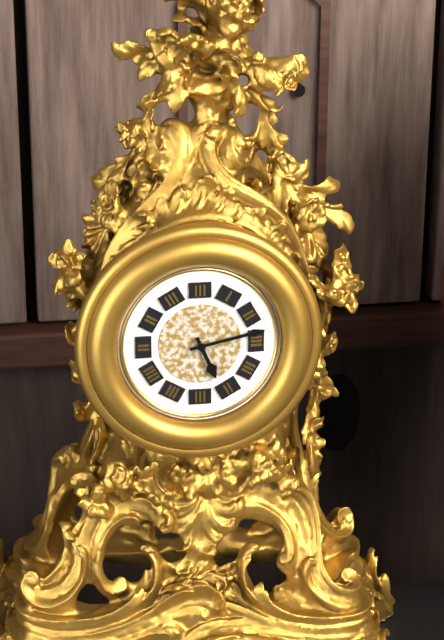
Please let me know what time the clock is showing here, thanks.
5:13
